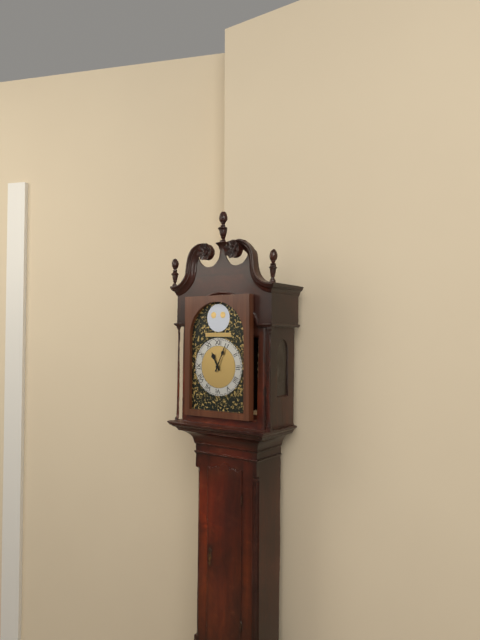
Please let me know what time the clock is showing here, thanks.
11:04
